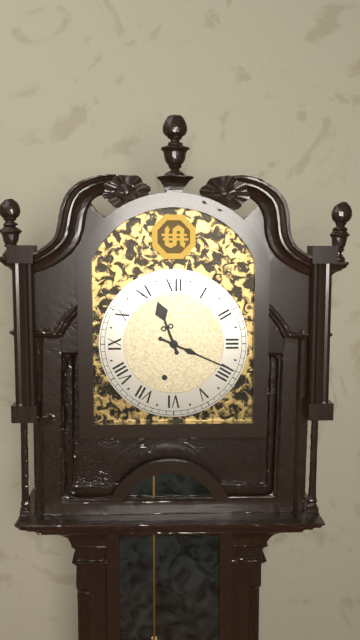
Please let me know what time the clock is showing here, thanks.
11:19
